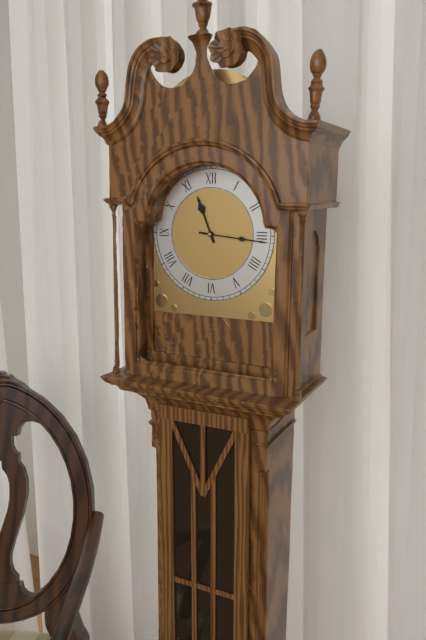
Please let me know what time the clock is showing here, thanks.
11:16
